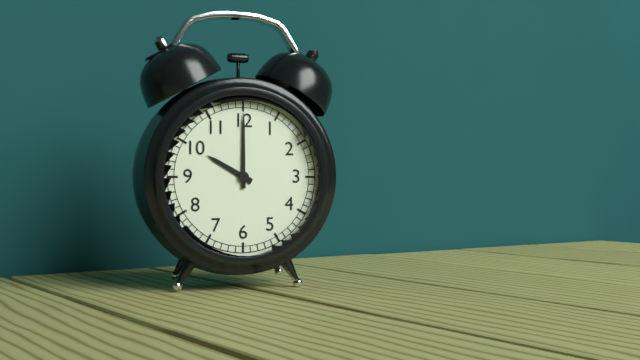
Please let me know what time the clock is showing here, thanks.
10:00
